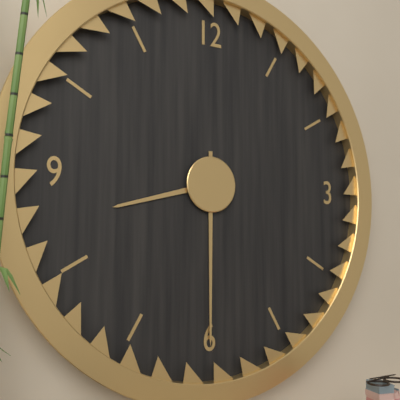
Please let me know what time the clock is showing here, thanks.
8:30
